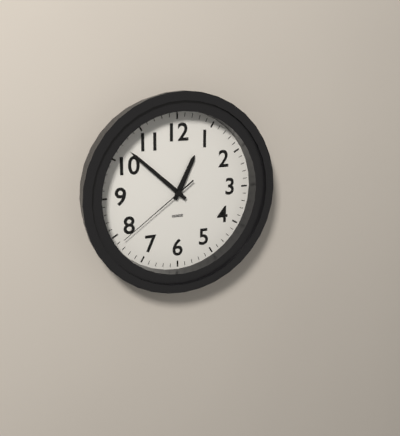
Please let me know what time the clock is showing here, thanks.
12:52:39
